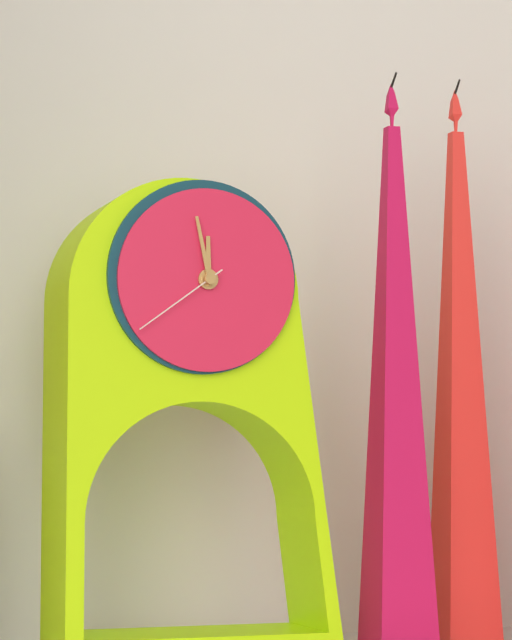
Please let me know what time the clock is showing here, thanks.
11:58:39
